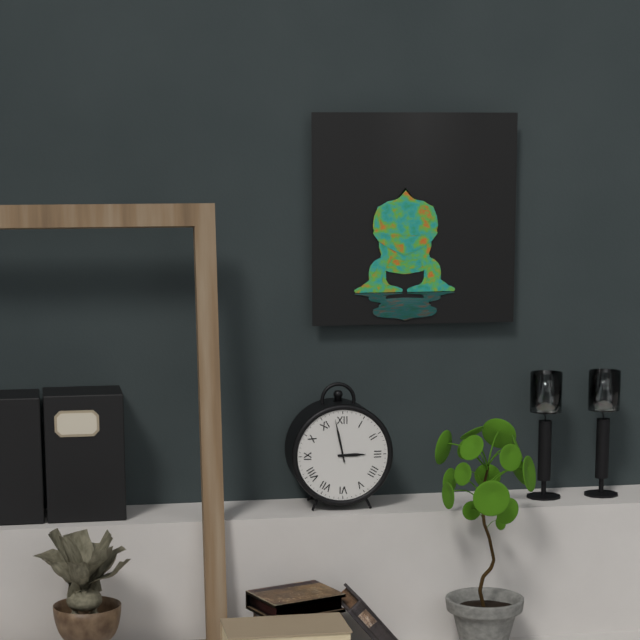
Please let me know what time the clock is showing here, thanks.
2:58
